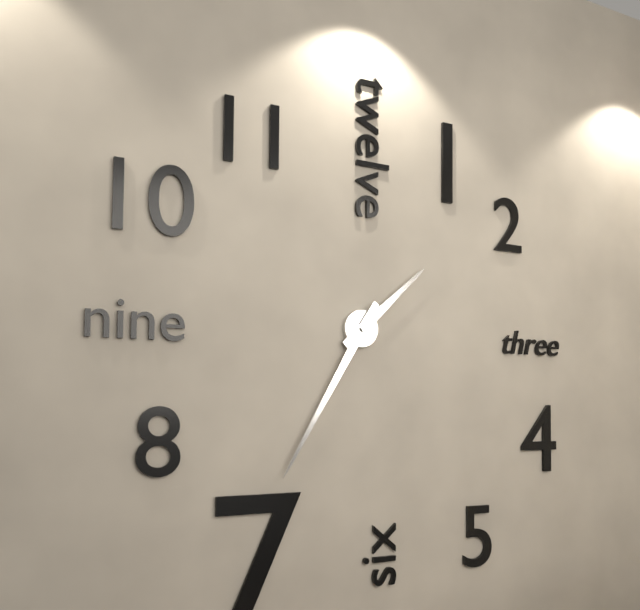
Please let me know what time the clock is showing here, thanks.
1:35
